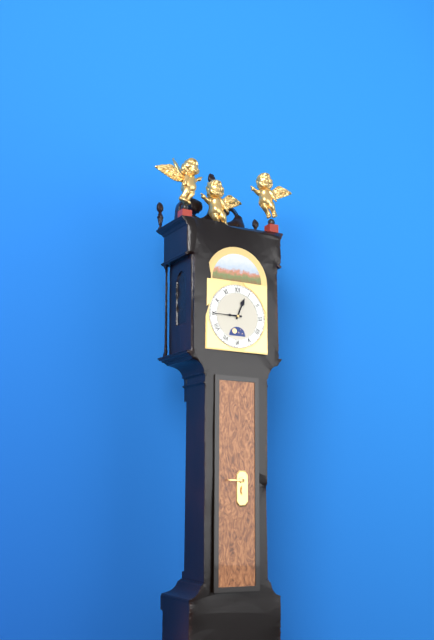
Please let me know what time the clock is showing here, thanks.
12:45
